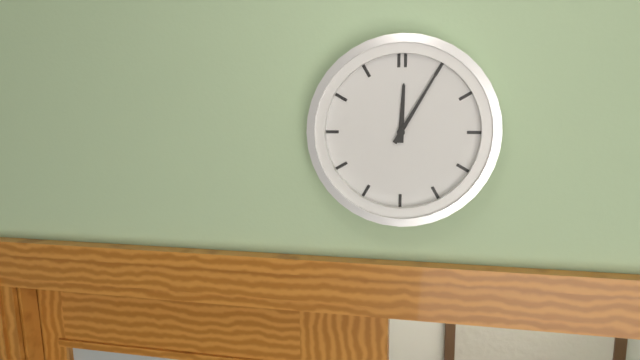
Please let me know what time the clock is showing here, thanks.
12:05
